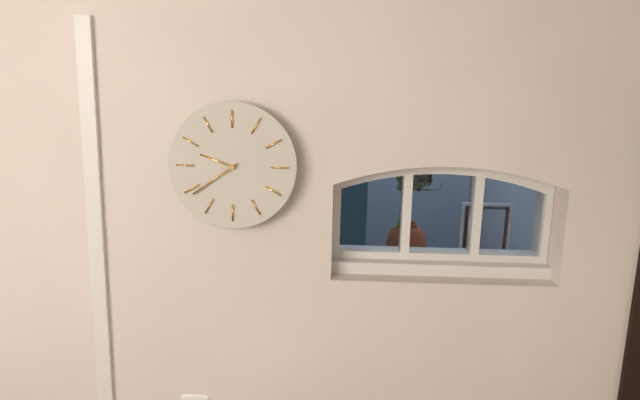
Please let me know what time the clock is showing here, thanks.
9:39
